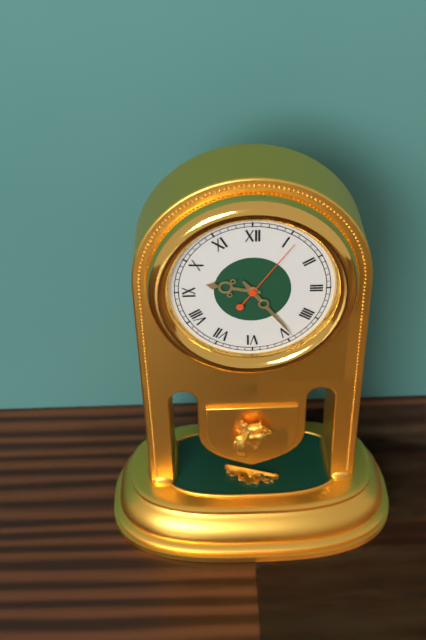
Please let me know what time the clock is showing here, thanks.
9:24:06
